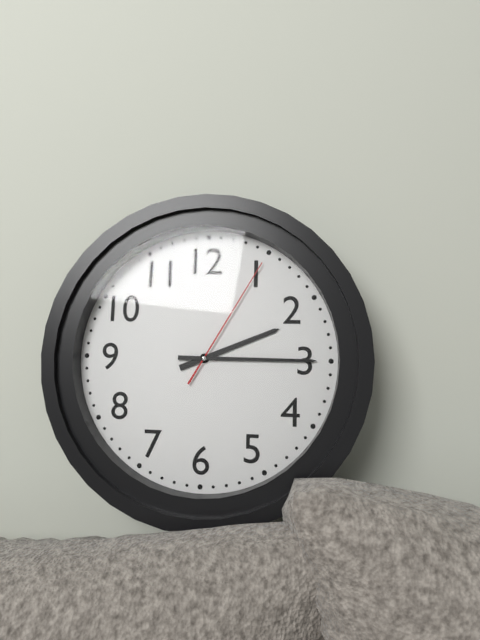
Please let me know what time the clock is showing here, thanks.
2:15:05
